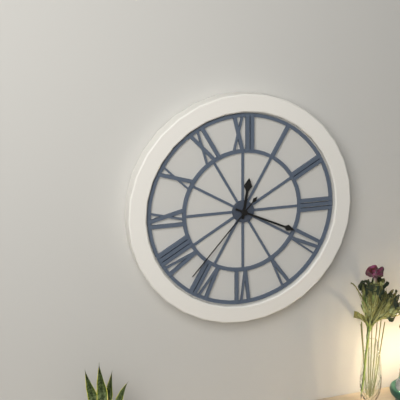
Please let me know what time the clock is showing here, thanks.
12:19:37
